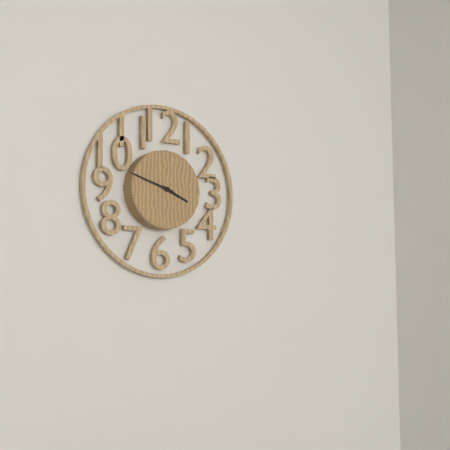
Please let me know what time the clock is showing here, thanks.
3:48
